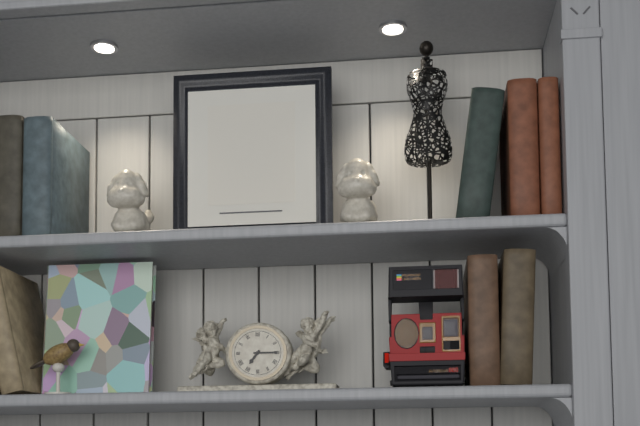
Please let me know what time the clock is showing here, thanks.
7:15
